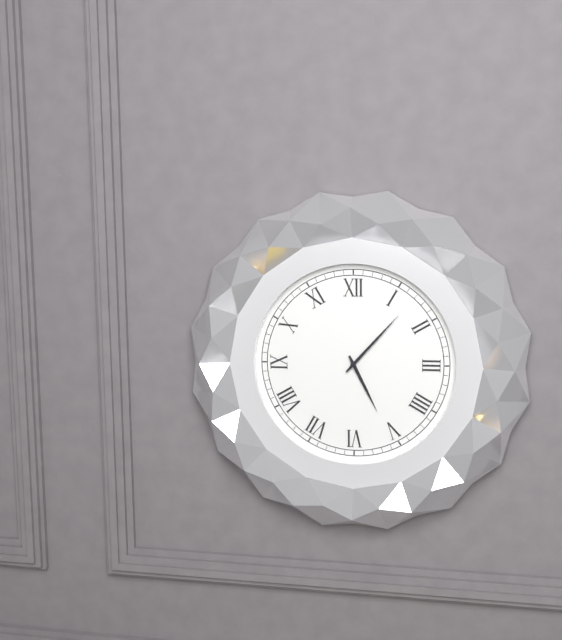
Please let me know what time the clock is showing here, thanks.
5:07
